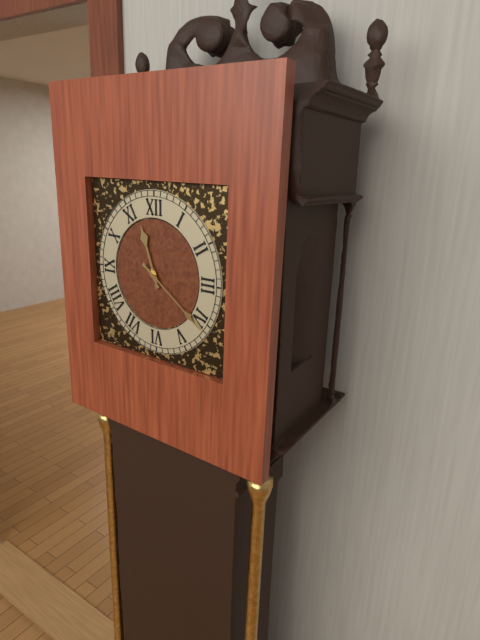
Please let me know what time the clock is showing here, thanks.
11:21
